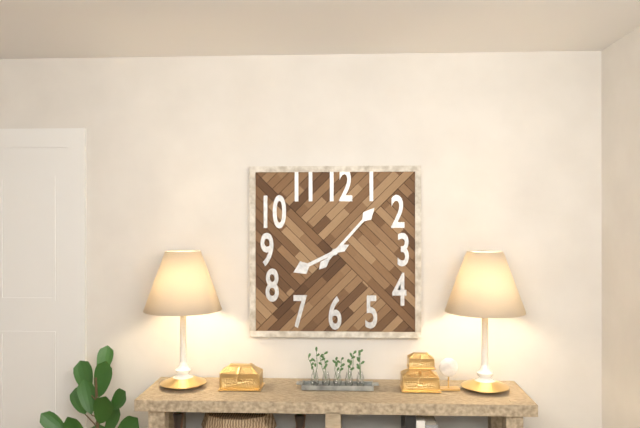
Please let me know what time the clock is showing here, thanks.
8:07
